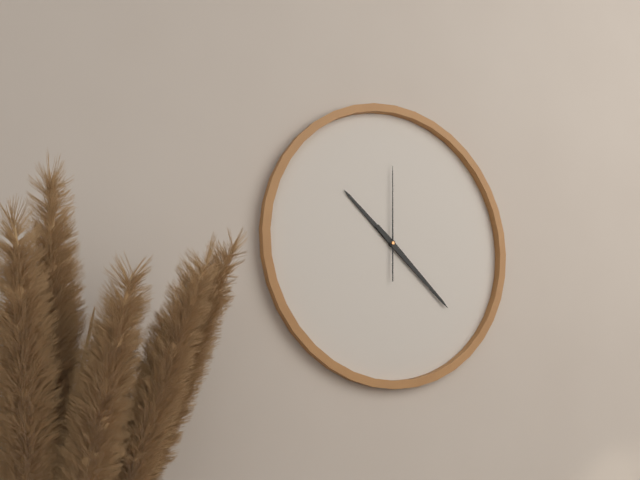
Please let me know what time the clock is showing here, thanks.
10:22:00
